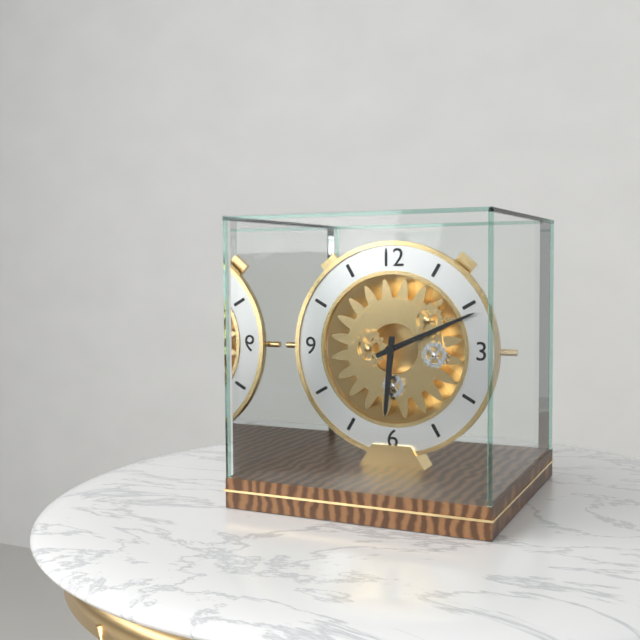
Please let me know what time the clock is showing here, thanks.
6:11
